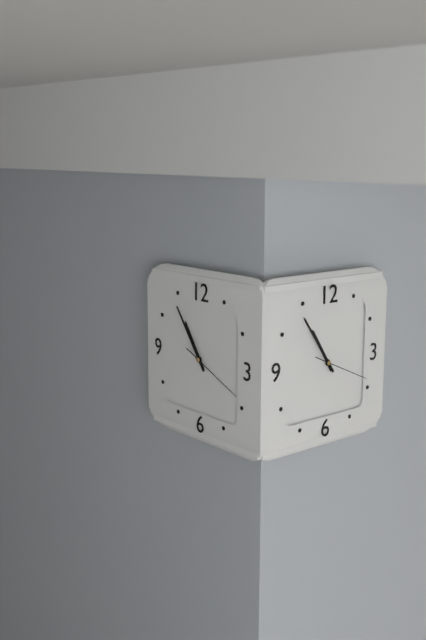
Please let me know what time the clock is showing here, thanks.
10:54:19
